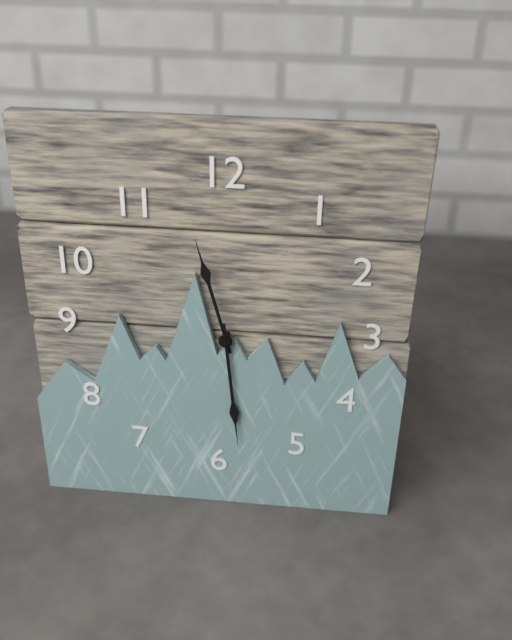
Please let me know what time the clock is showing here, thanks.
11:29
